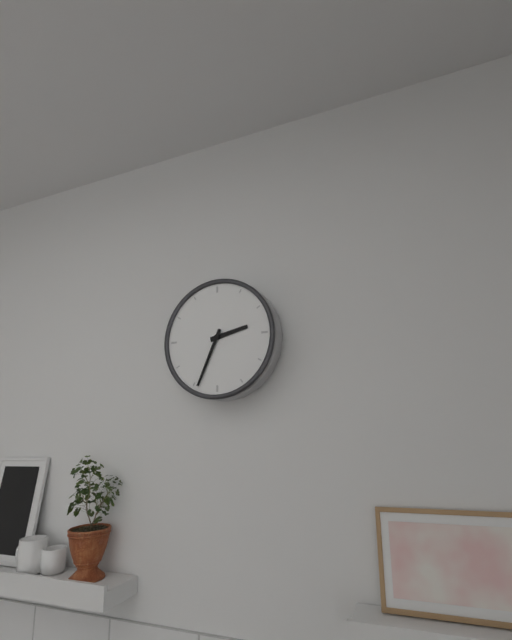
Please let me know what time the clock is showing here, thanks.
2:34
